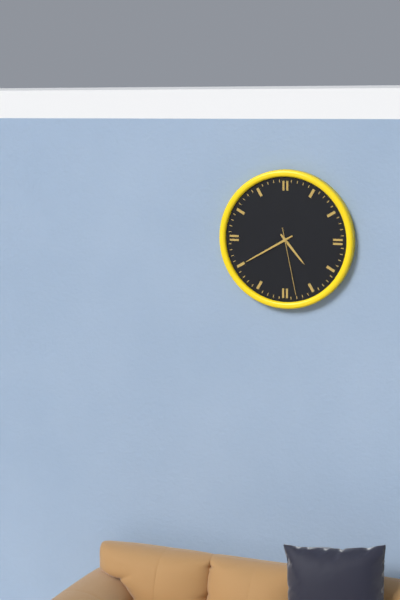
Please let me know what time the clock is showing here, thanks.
4:40:28
